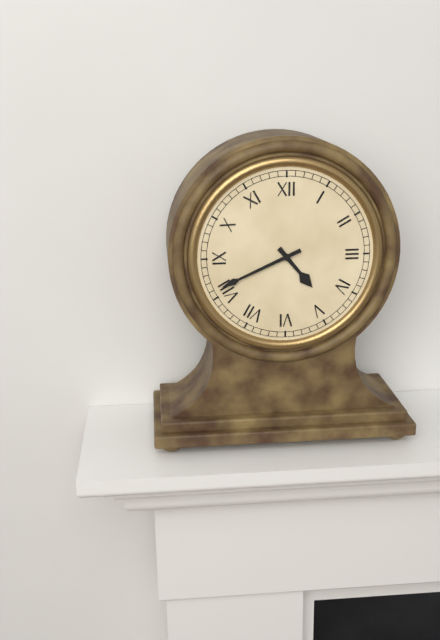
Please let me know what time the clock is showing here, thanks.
4:41
